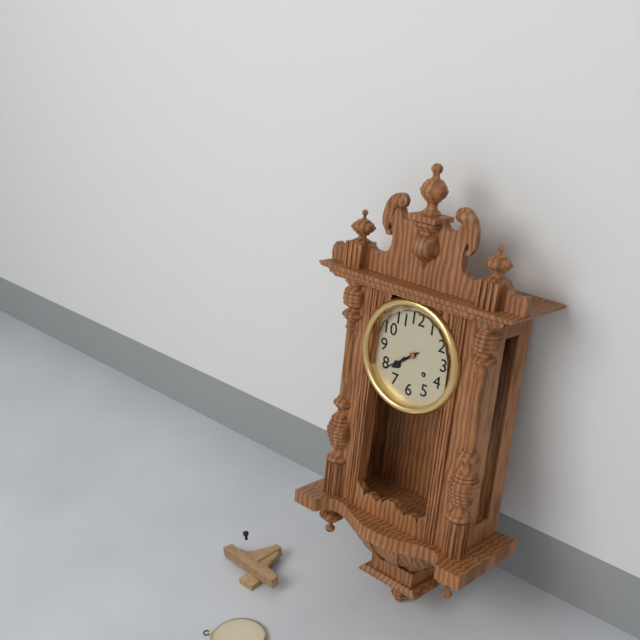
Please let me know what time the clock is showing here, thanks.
7:39
